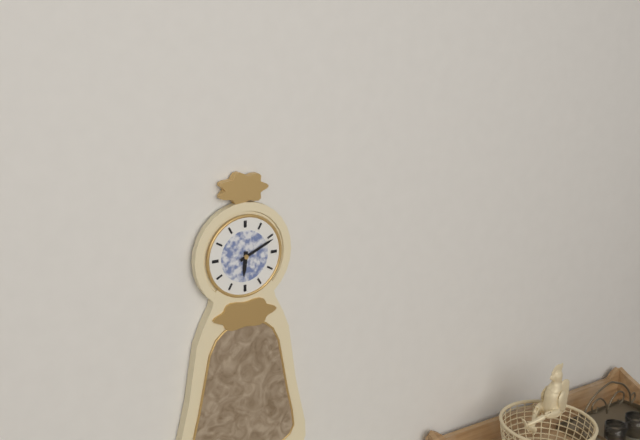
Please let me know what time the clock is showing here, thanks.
6:11
